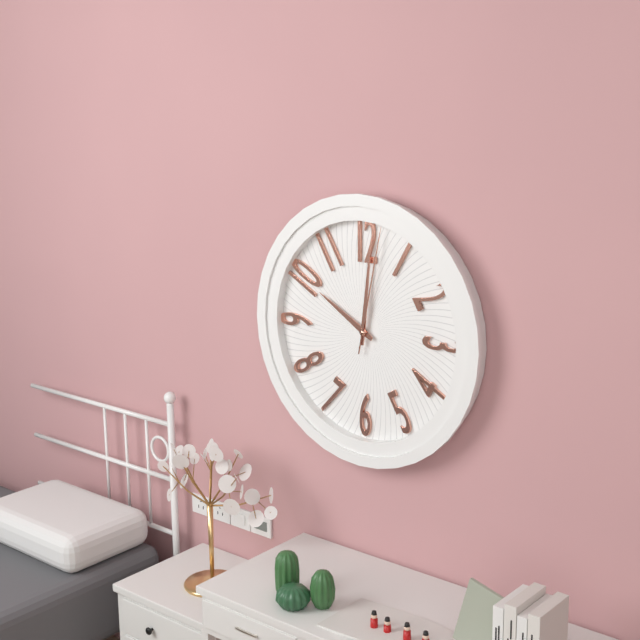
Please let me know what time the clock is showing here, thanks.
10:01:02
